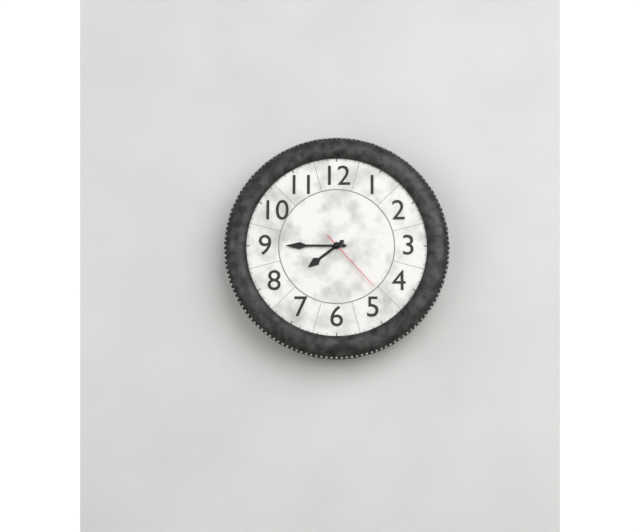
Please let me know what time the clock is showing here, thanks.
7:45:23
